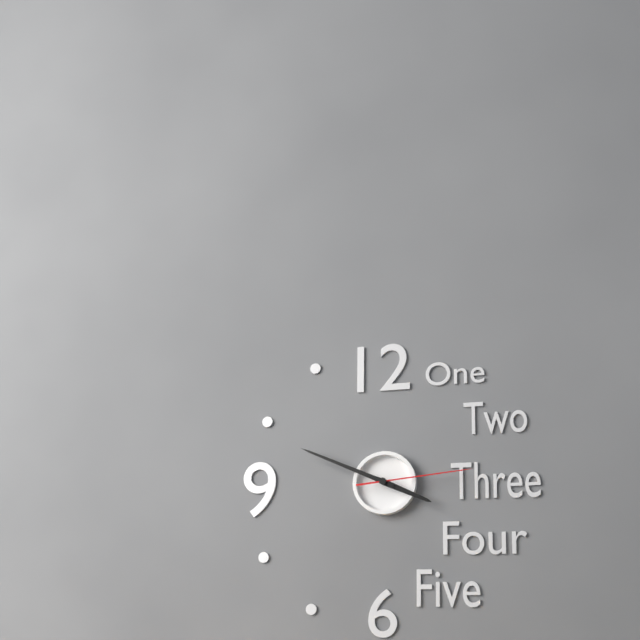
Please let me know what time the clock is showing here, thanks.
3:49:14
